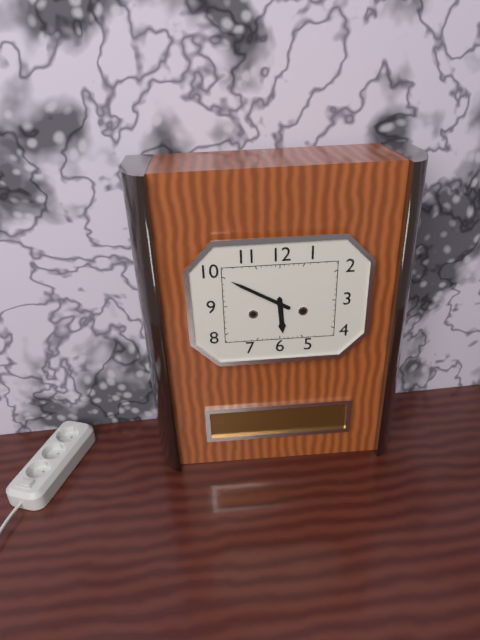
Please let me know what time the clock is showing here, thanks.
5:50
